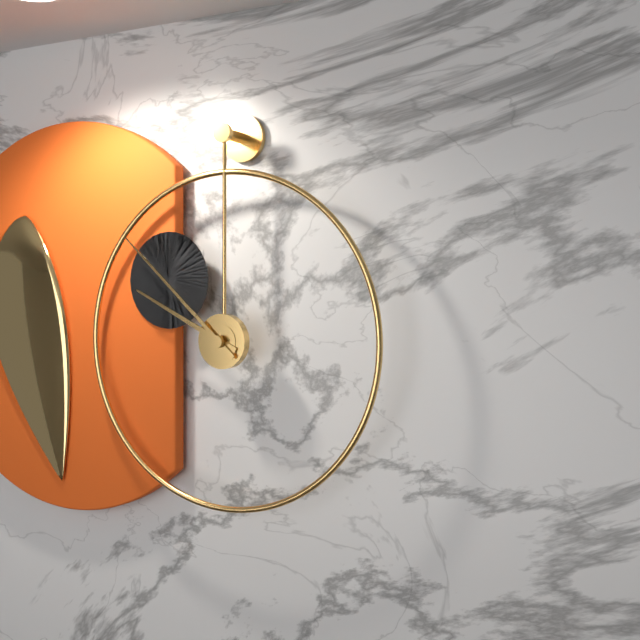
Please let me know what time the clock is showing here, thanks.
9:52
